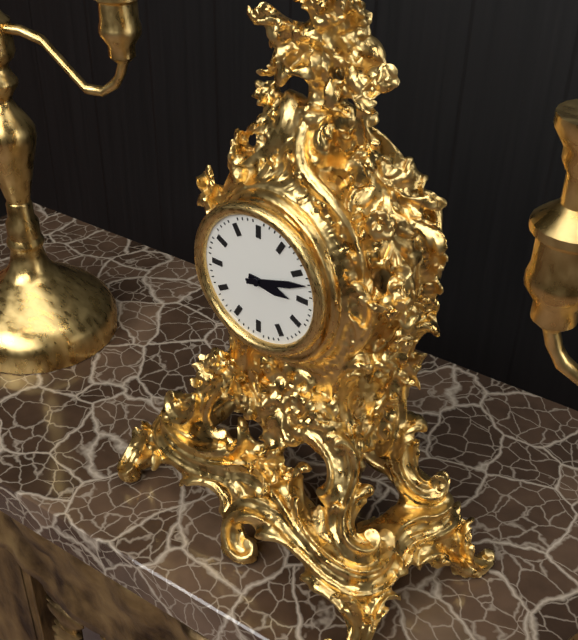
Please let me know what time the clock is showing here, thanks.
3:12
